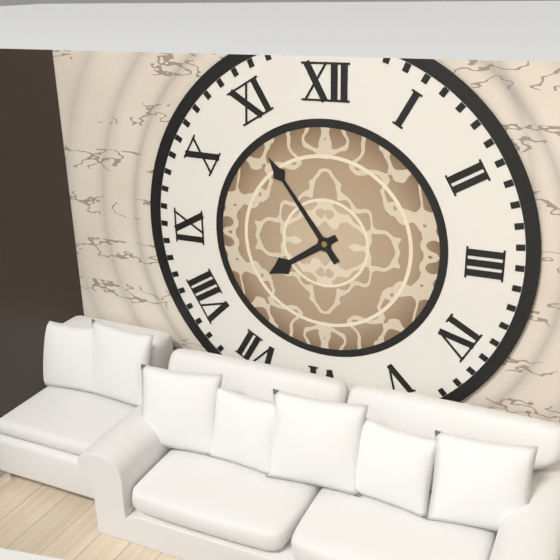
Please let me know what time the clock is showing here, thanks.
7:54
